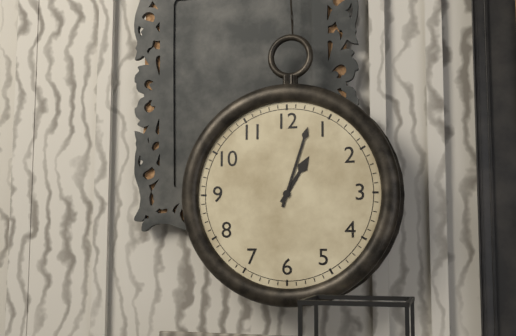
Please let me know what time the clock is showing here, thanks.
1:03
